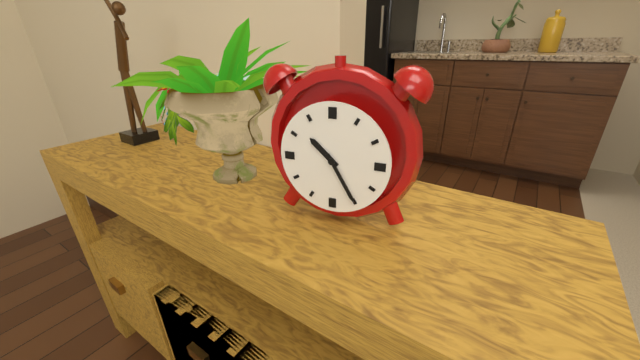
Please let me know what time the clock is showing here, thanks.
10:25
